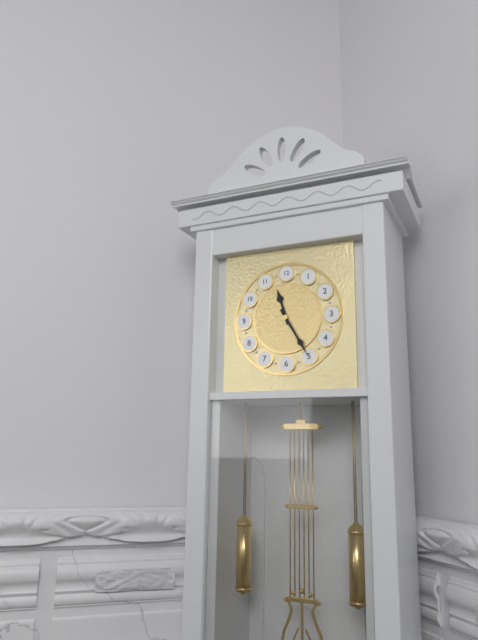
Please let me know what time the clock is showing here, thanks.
11:25
